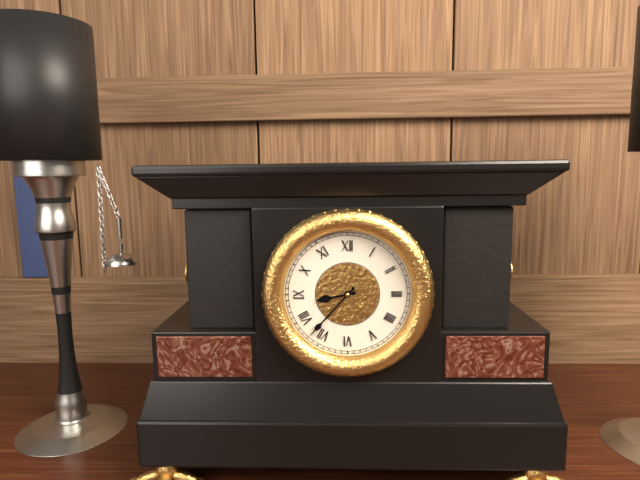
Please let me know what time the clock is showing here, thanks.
8:37
